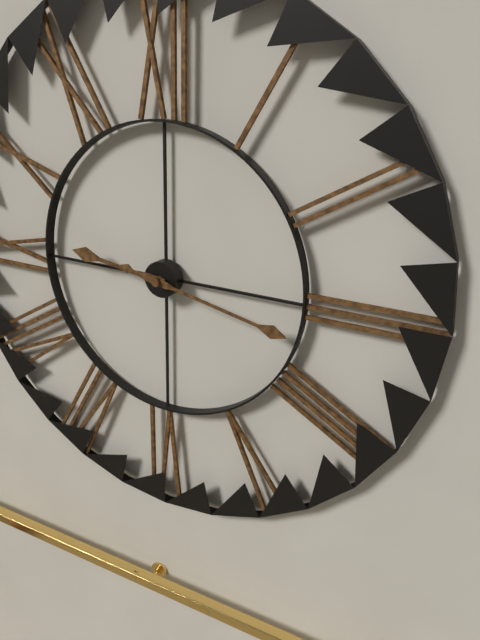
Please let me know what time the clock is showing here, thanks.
9:17
